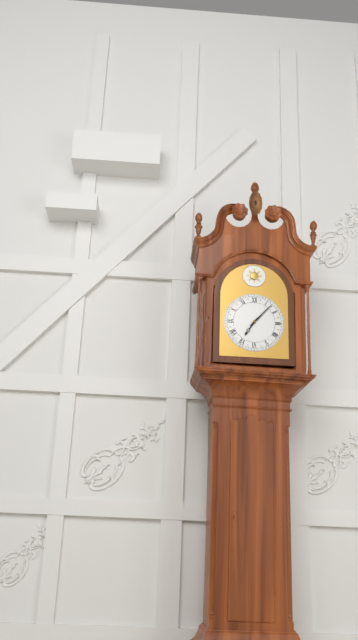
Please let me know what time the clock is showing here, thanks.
7:07
